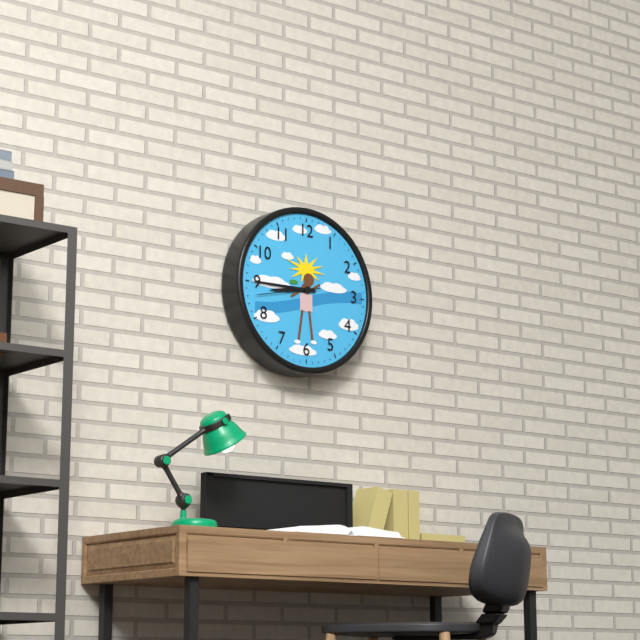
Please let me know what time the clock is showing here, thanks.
8:45:43
